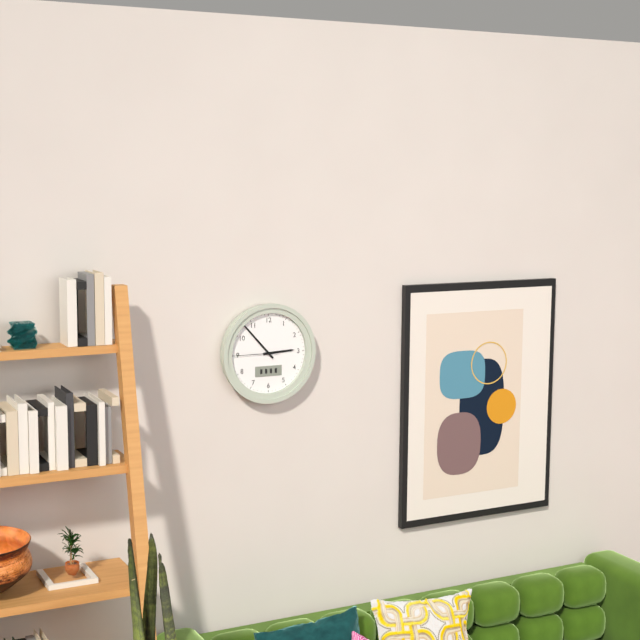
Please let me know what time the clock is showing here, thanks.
2:53
